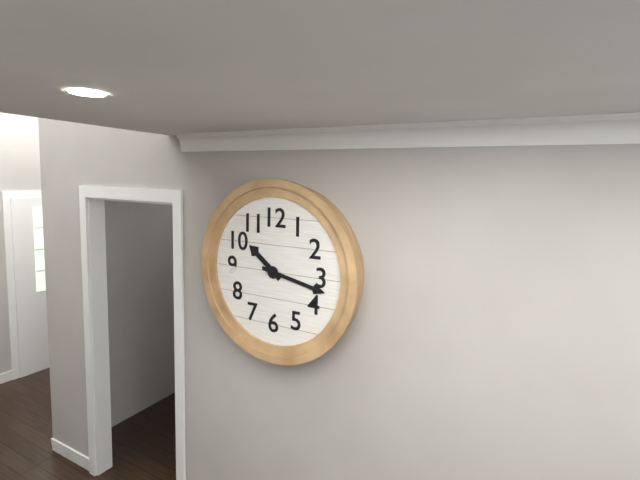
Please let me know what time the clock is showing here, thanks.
10:17
